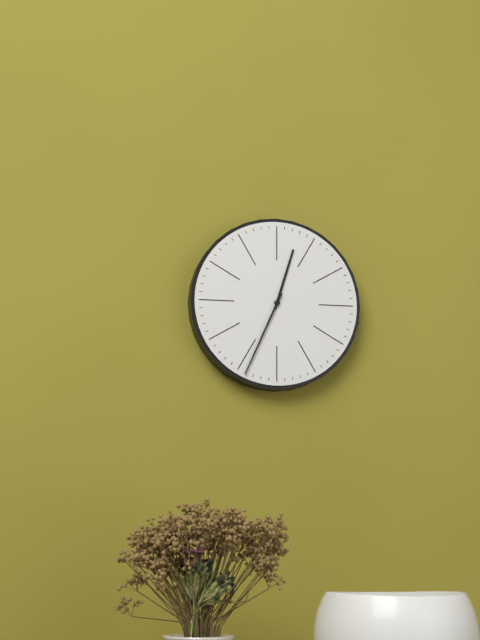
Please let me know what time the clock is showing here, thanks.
12:34
